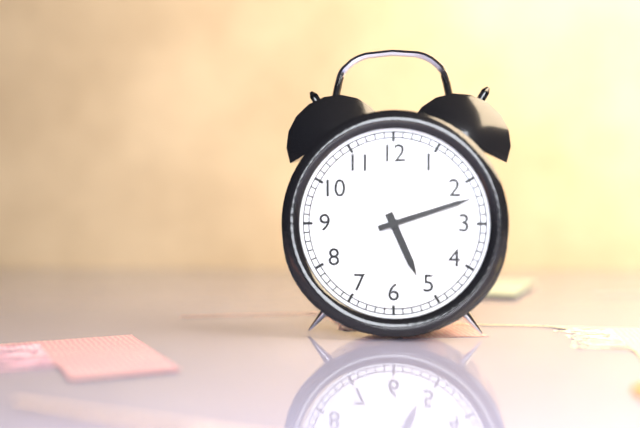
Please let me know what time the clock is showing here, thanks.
5:12
